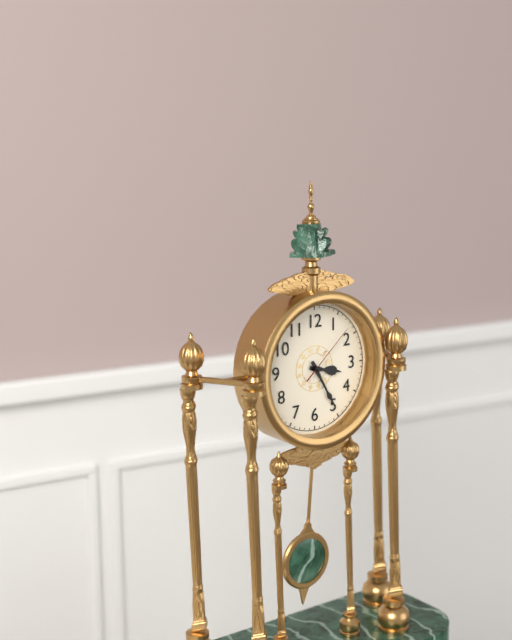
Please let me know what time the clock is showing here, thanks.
3:25:08
